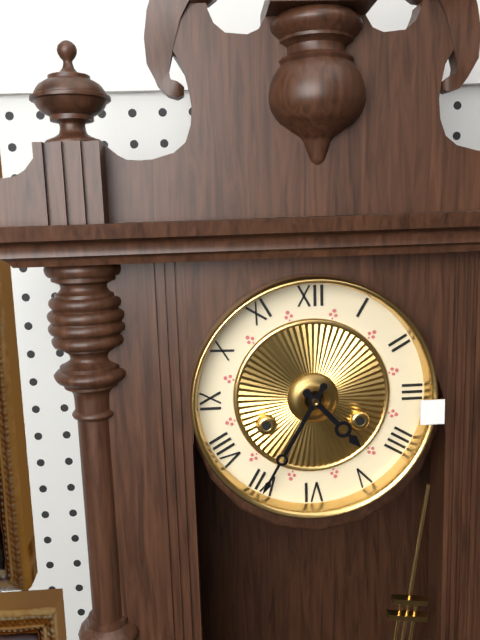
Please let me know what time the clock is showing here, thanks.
4:35
